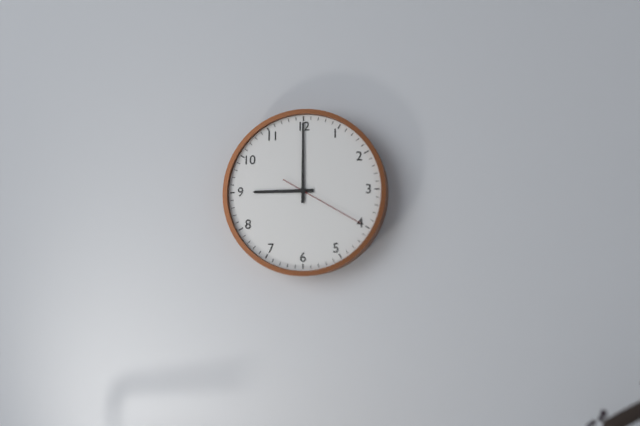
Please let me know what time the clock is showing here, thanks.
9:00:20
